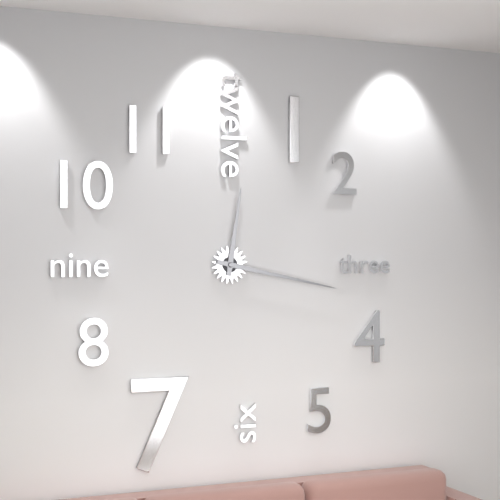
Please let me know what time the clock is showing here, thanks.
12:17
